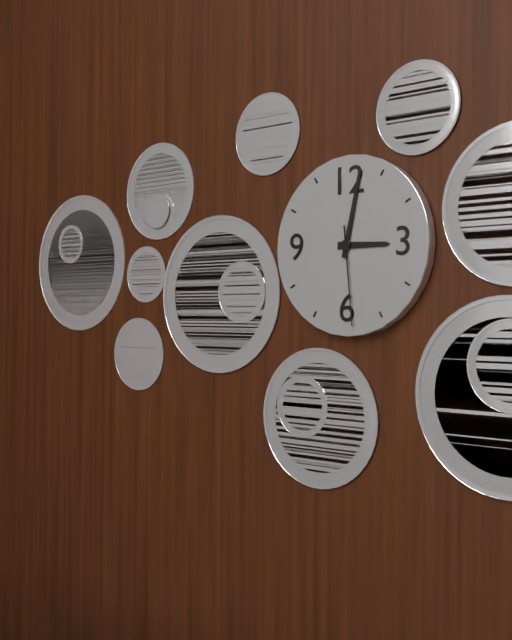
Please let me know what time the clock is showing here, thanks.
3:02:29
